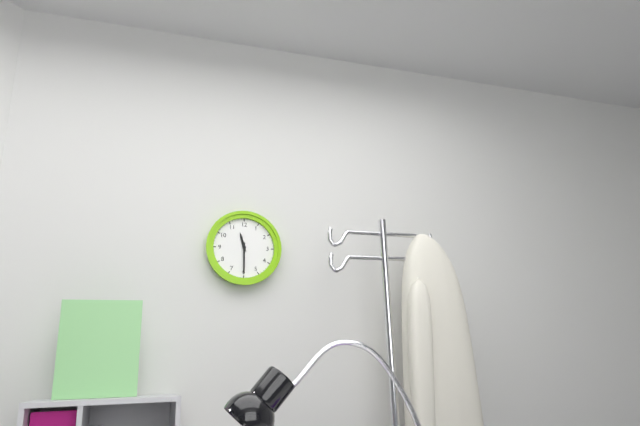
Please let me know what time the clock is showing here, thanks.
11:30
